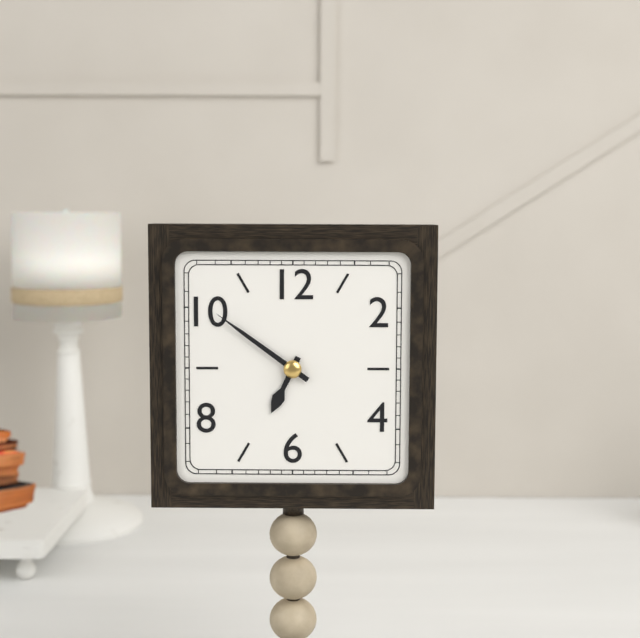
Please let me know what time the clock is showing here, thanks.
6:51
